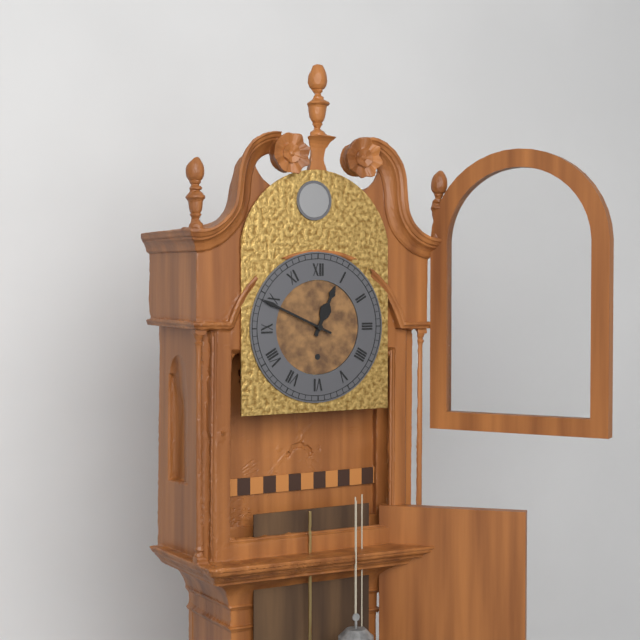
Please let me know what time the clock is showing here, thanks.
12:49
